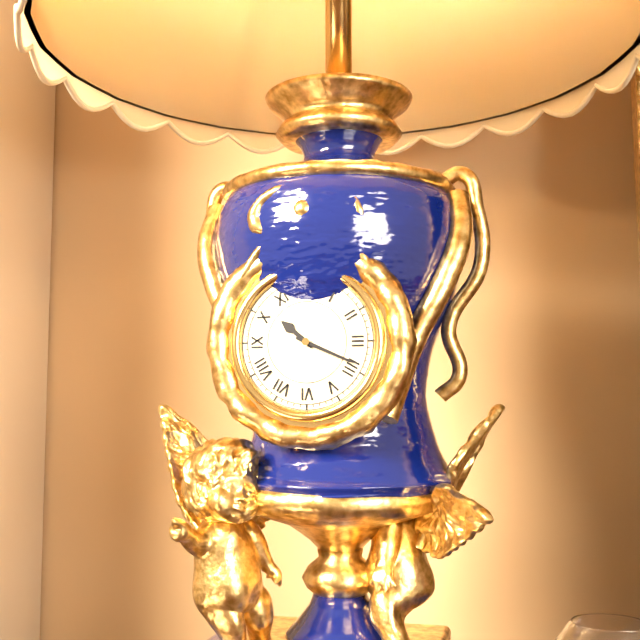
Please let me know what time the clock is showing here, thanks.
10:19
